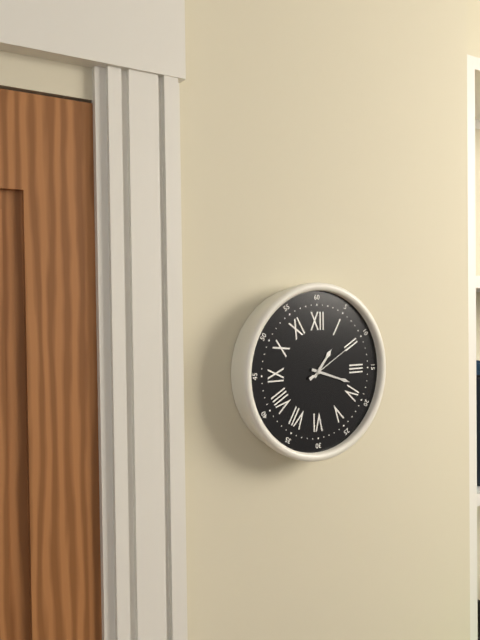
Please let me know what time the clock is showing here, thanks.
1:18:10
